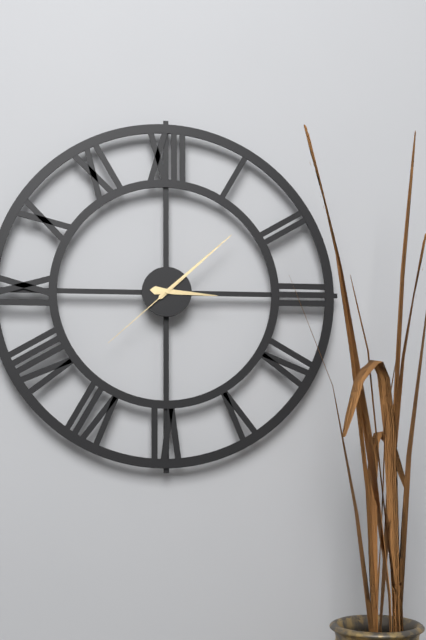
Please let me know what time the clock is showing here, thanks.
3:08:38
